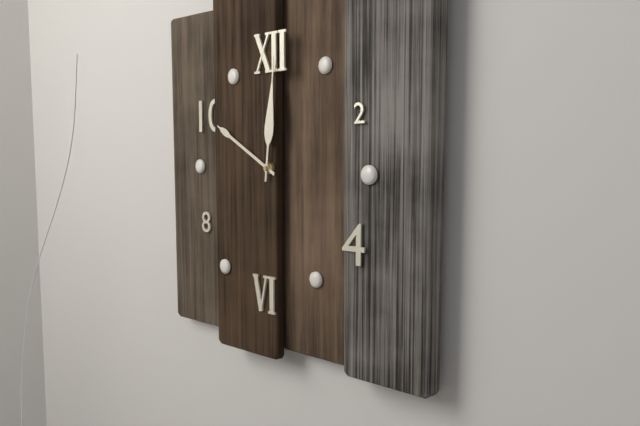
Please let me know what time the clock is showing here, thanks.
10:01
